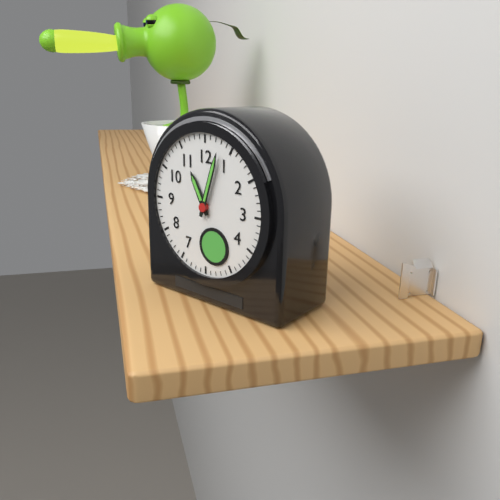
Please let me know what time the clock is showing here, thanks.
11:03
